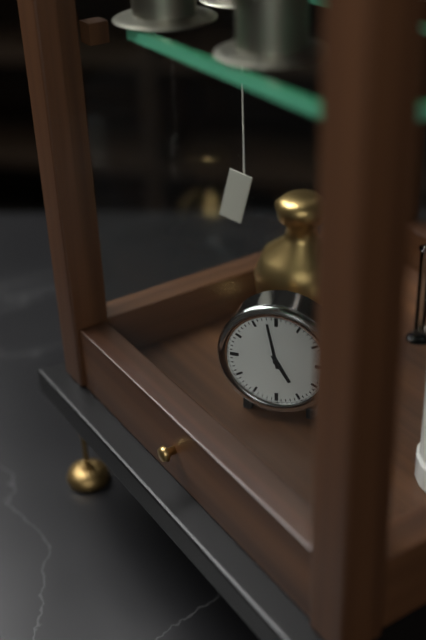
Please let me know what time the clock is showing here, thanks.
4:58
